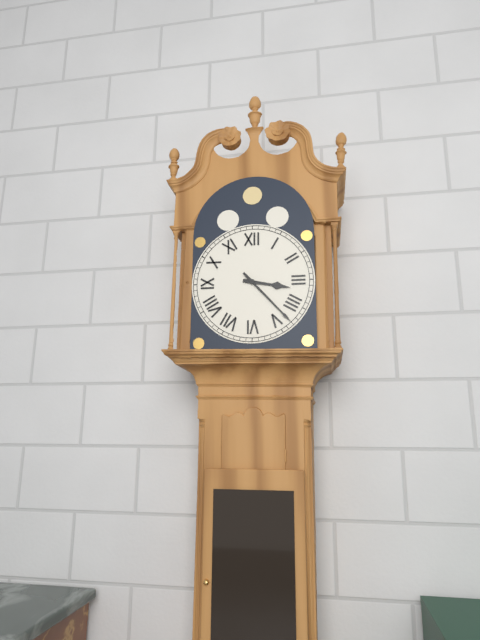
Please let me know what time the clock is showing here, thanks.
3:23
